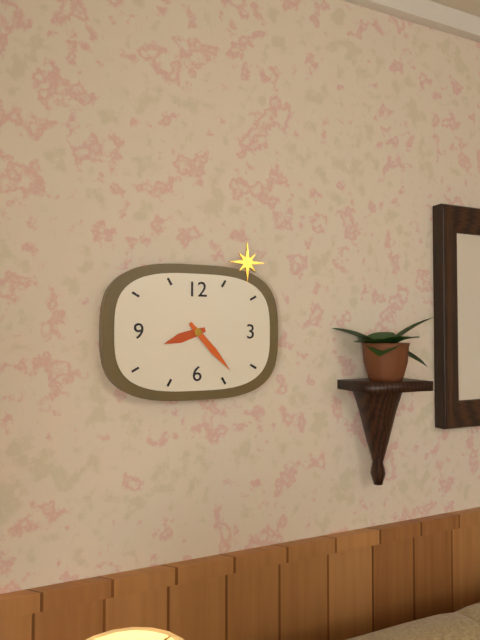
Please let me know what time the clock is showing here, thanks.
8:23
